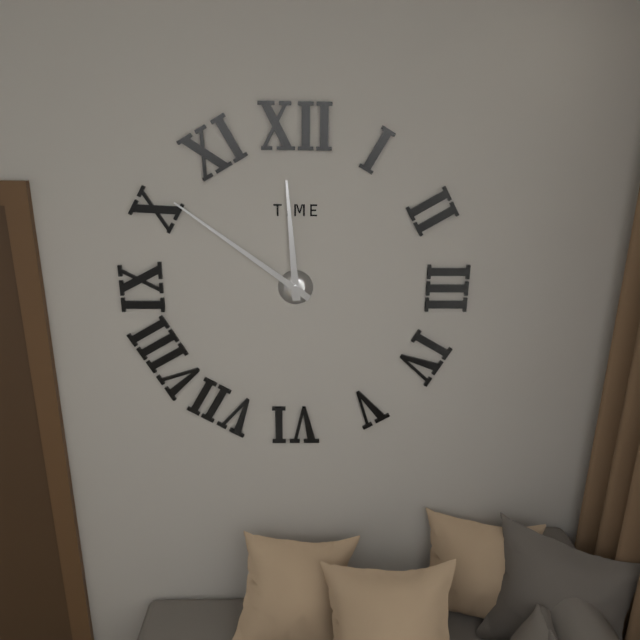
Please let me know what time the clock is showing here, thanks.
11:51
